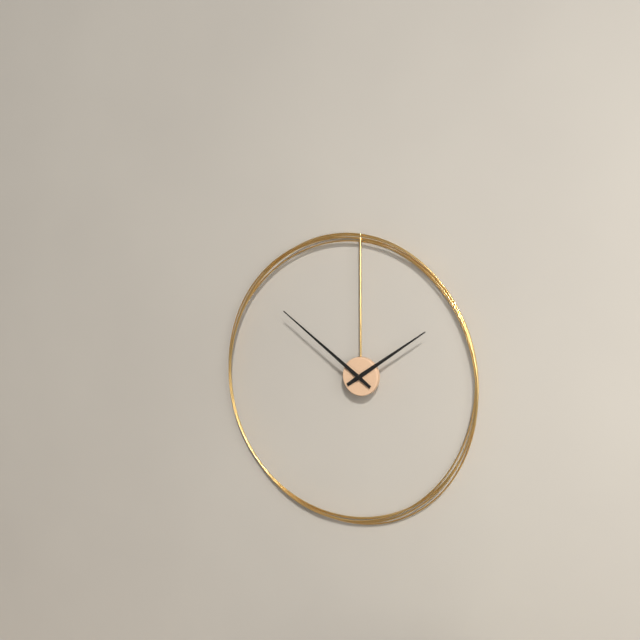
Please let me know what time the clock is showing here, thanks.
1:51
